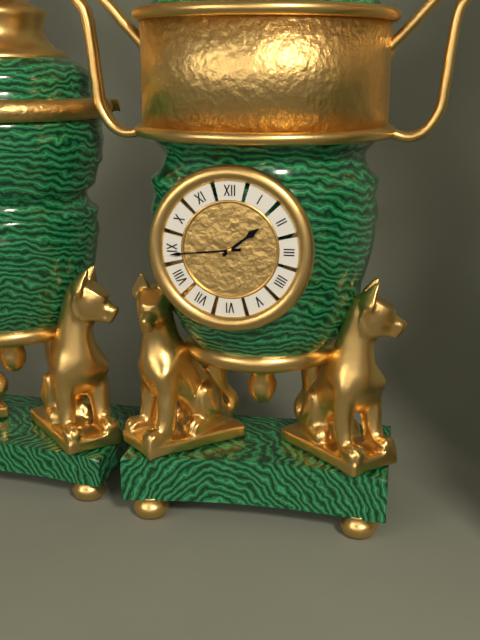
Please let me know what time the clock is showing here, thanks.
1:44
